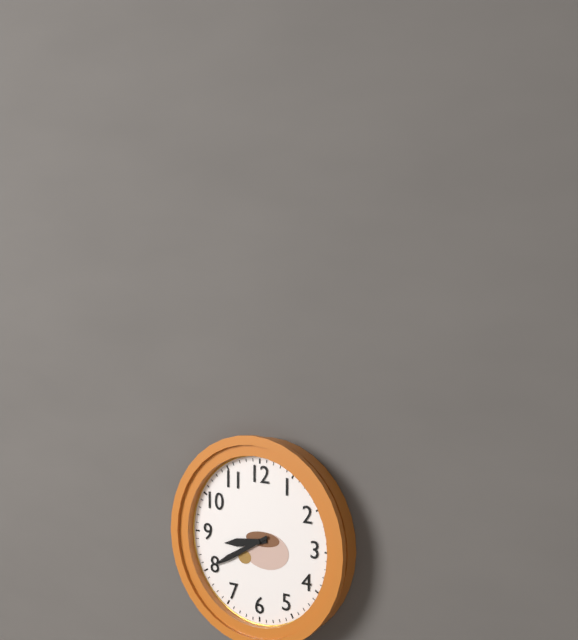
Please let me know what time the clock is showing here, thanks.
8:40
